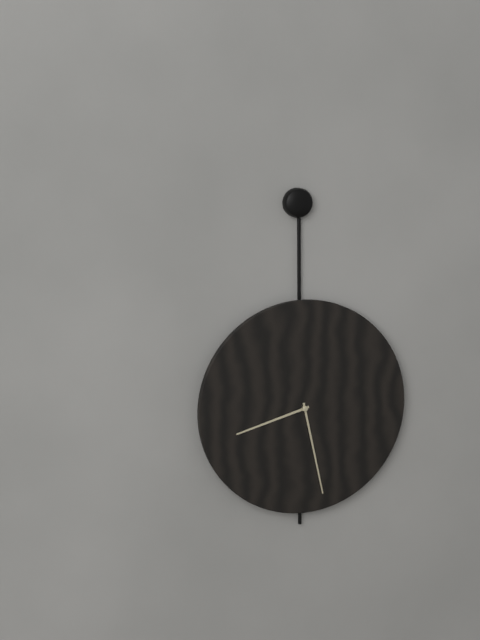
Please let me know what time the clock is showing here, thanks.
8:28
